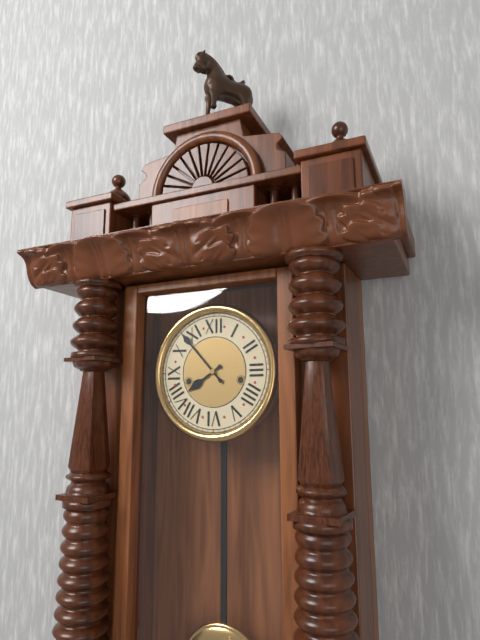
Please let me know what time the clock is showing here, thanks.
7:53
